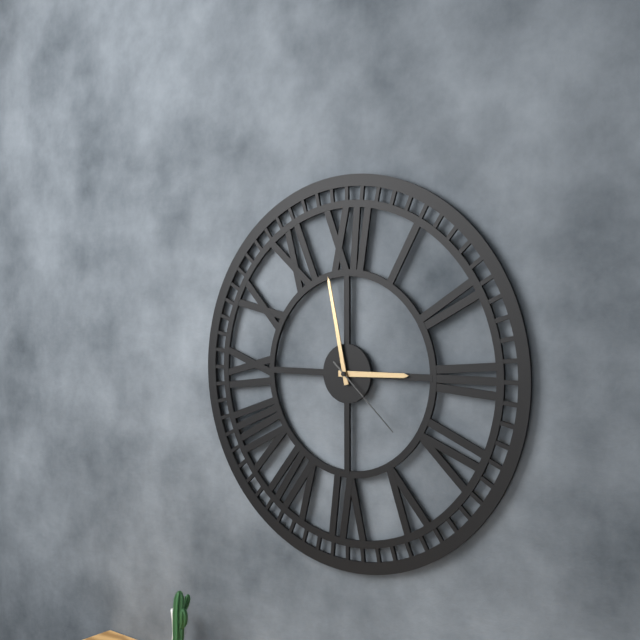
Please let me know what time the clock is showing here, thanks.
2:58:22
